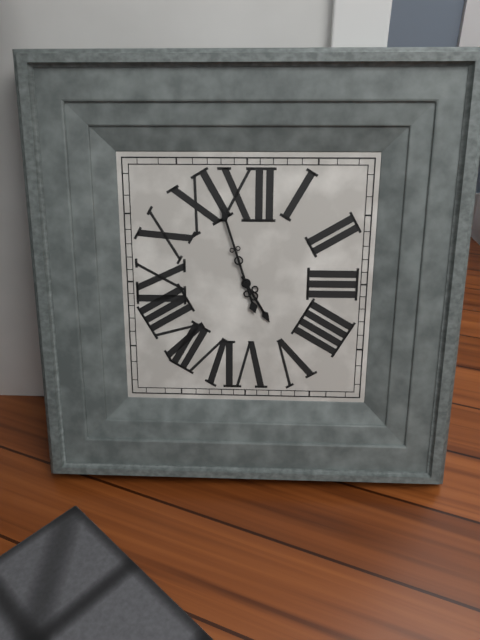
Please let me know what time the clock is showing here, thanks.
4:57
